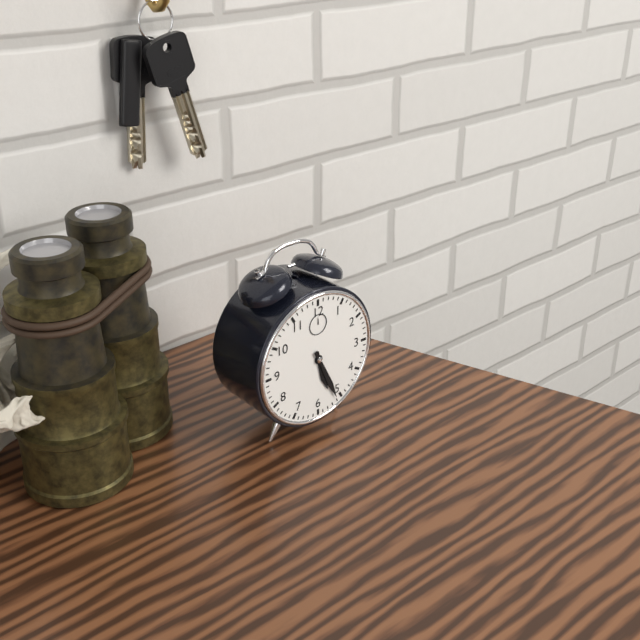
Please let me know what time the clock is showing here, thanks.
5:26
